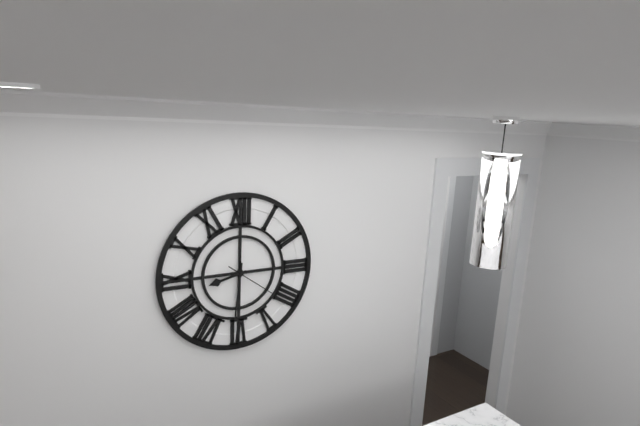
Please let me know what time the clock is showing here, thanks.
8:31:21
